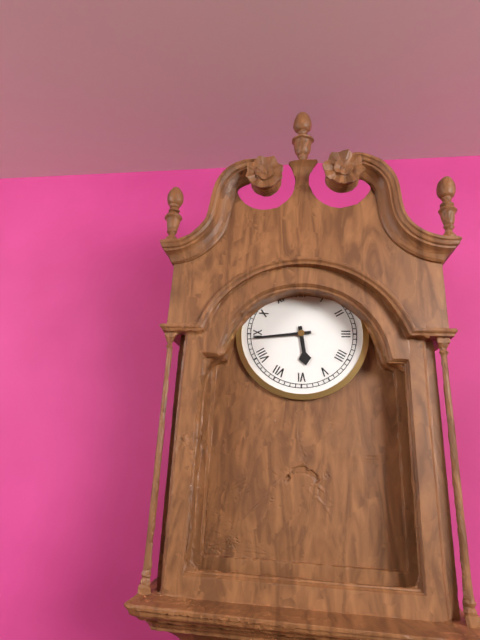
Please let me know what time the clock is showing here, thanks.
5:44
